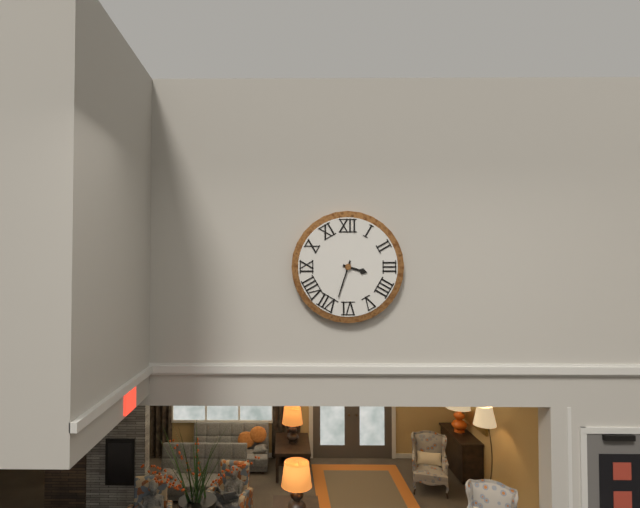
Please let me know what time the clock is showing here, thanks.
3:33
